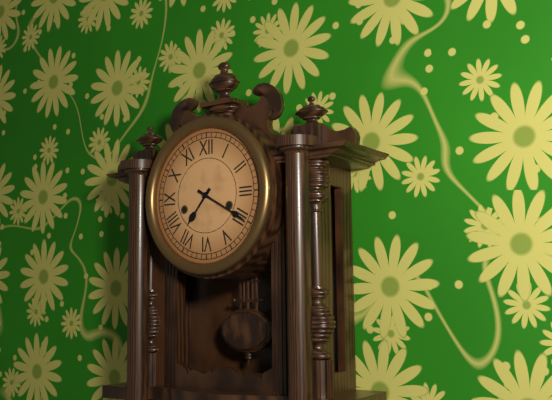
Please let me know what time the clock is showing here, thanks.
7:20
